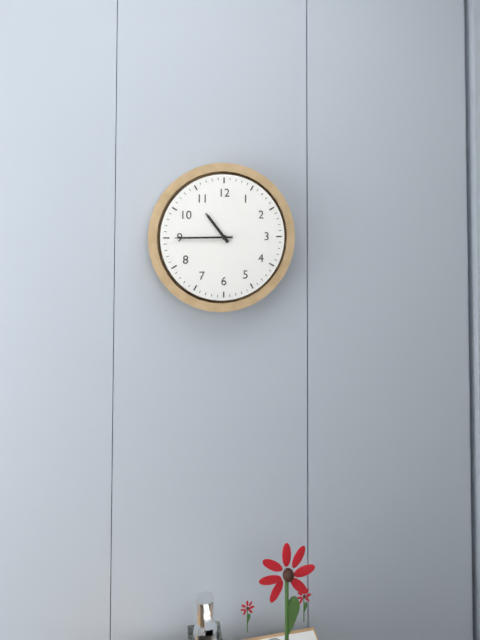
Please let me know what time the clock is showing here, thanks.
10:45
